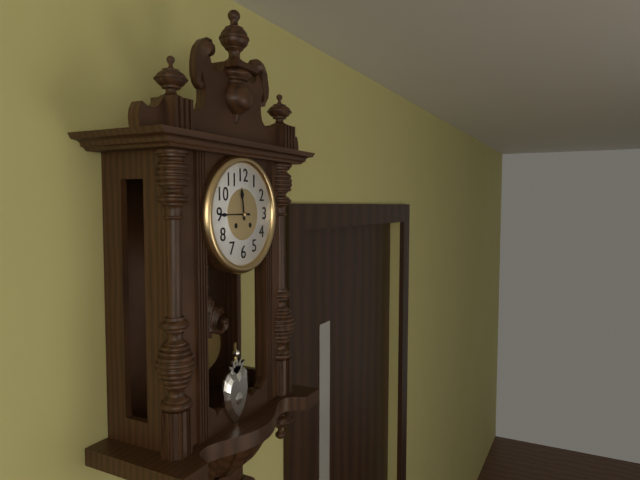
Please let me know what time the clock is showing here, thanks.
11:45
